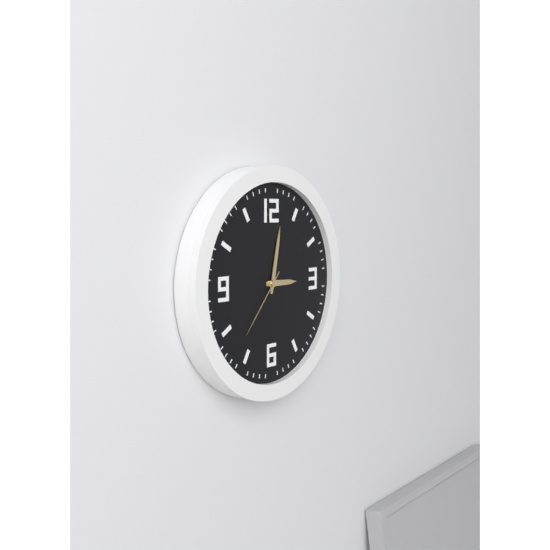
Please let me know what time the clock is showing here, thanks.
3:02:37
